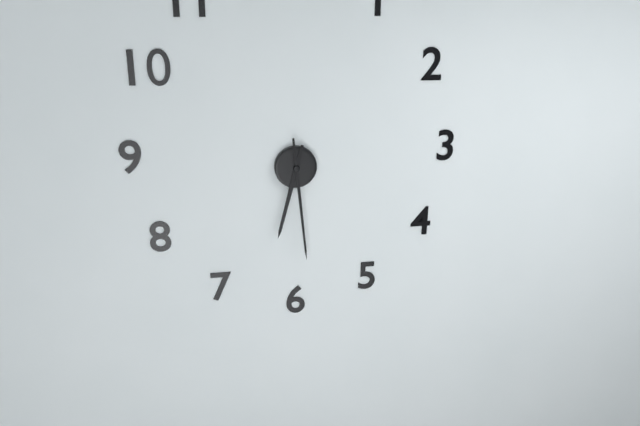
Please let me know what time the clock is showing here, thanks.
6:29
